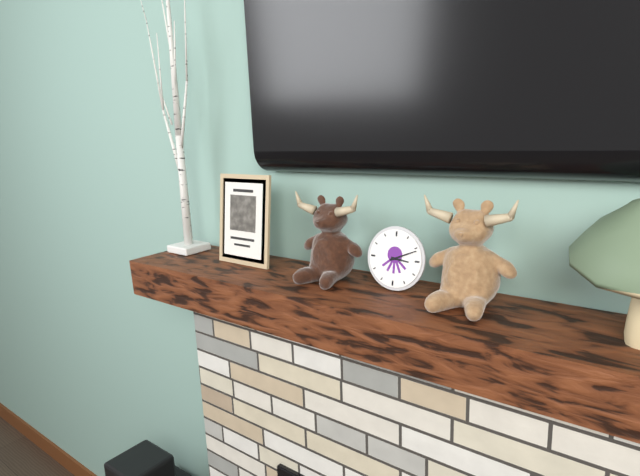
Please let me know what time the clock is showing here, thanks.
3:11
